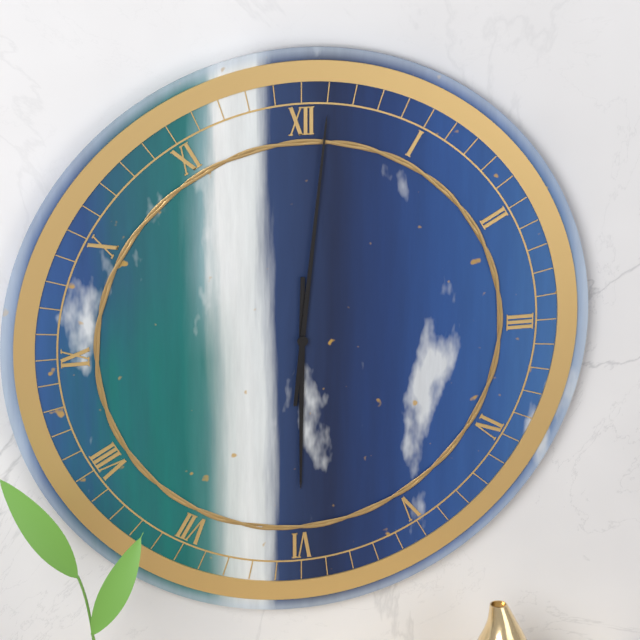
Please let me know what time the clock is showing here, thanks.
6:01
